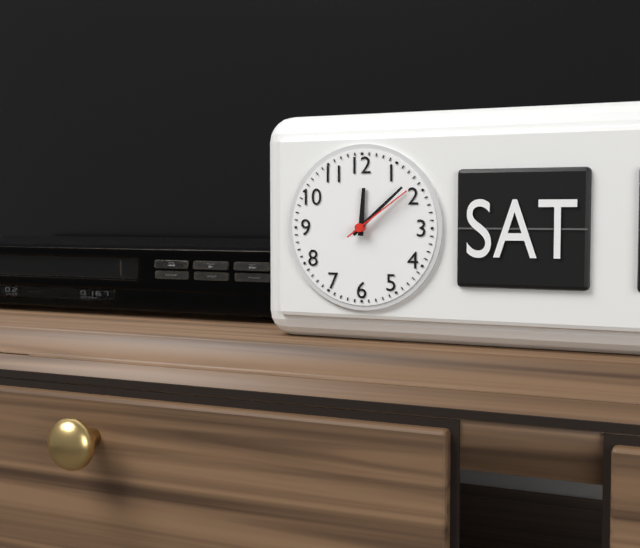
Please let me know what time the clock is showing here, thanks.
12:08:09
